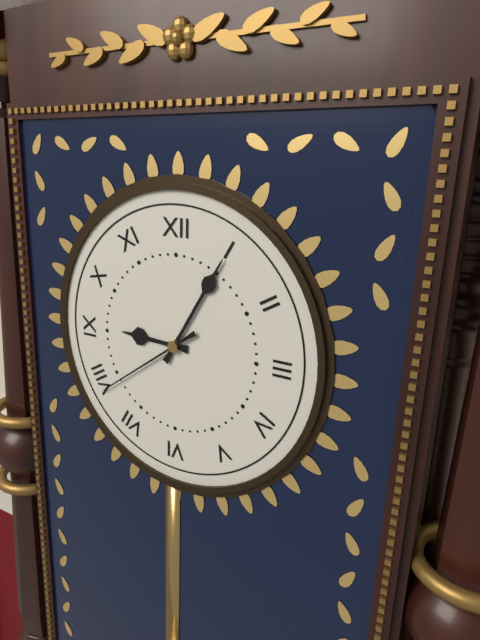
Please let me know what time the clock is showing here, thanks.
9:05:39
